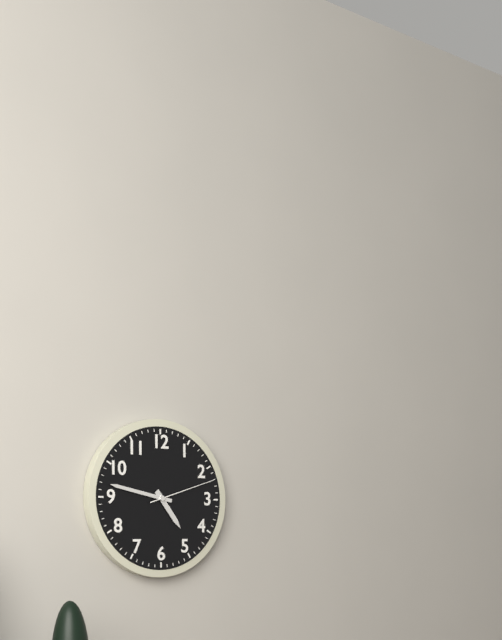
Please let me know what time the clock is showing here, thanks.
4:47:12
